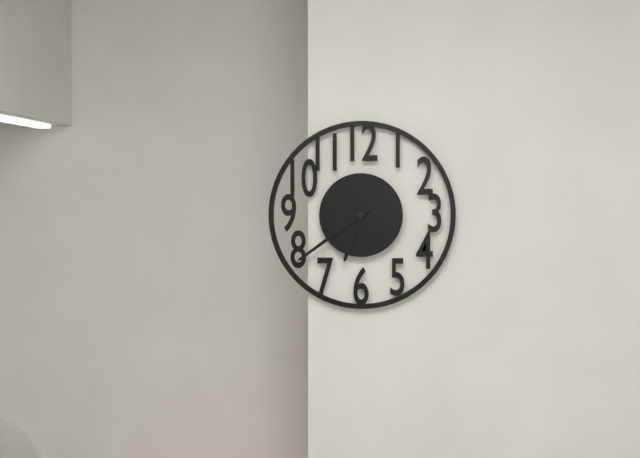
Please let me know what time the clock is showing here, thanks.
6:39
